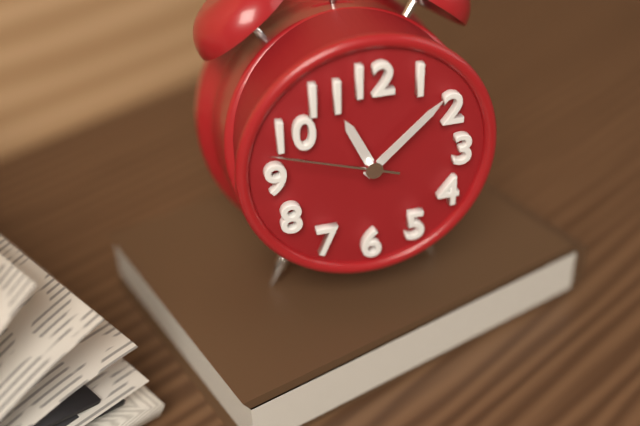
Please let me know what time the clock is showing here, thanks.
11:08:48
